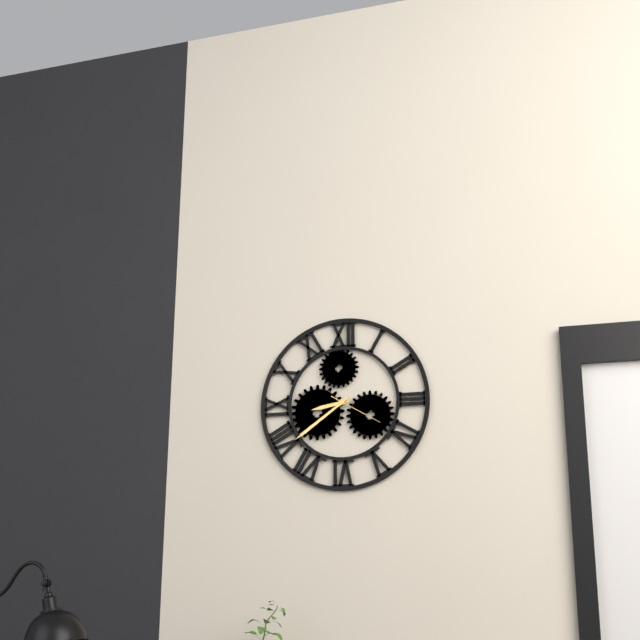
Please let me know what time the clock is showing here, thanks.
8:39:20
